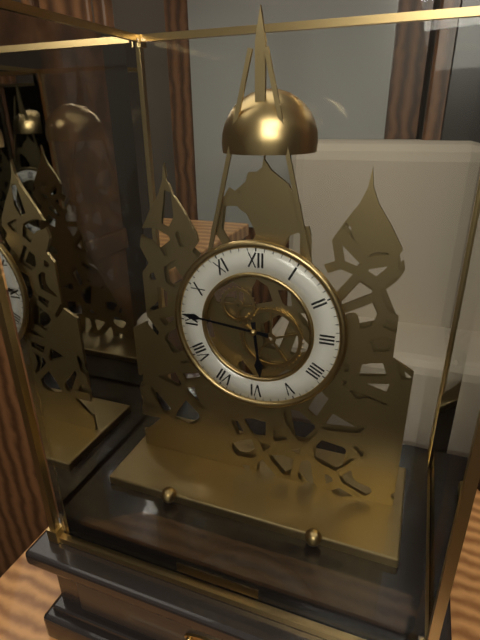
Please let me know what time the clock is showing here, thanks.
5:46
